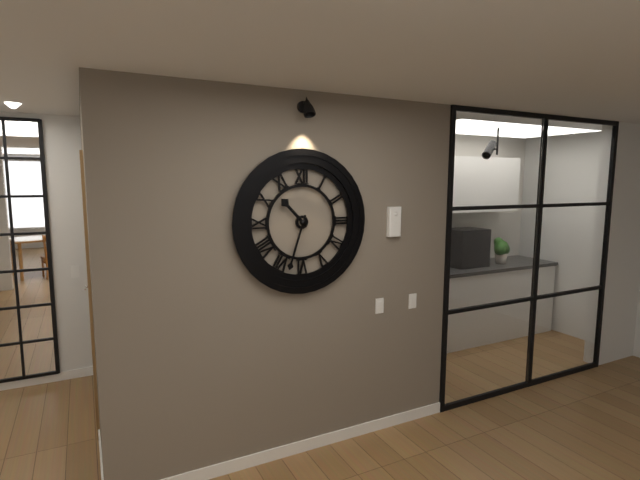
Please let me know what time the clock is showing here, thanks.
10:33
